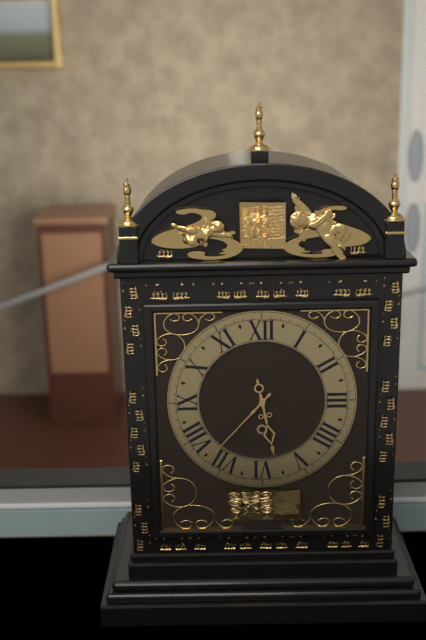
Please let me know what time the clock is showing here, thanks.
5:37
